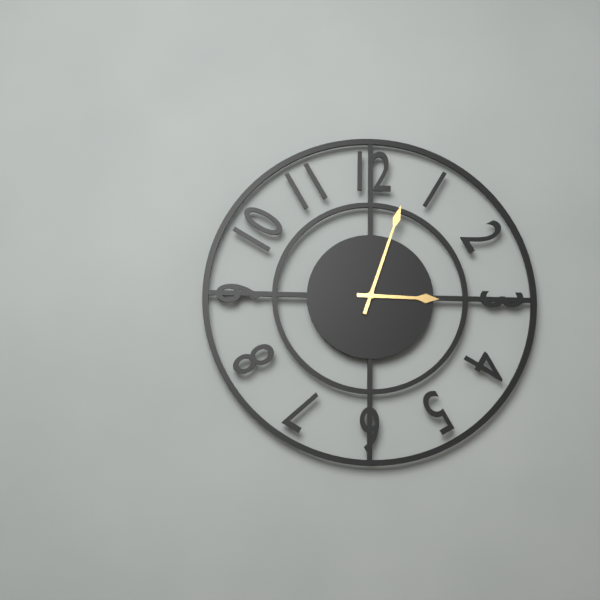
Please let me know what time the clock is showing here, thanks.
3:03
